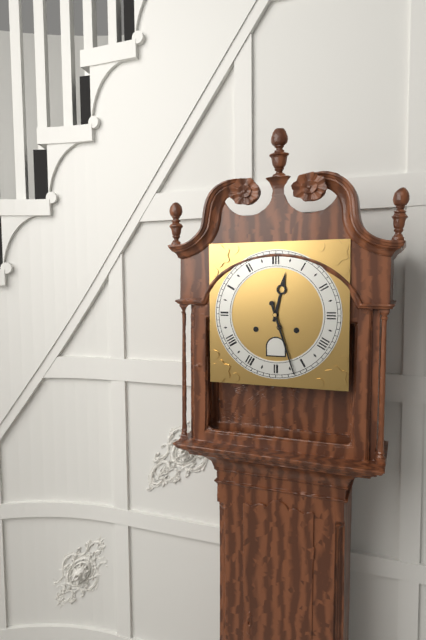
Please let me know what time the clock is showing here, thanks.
12:27
